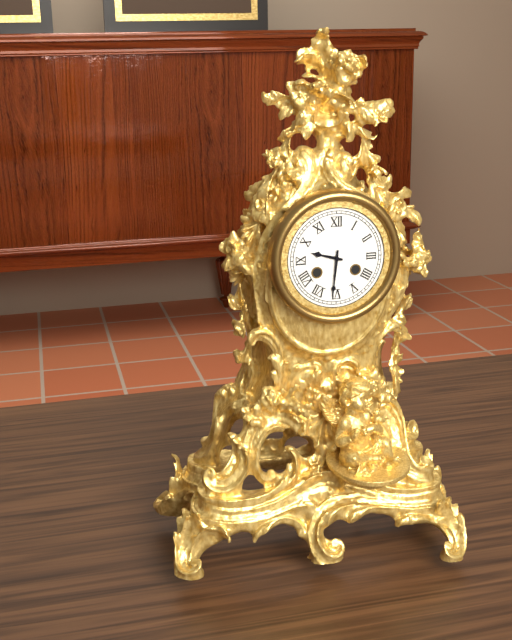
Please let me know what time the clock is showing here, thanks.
9:31
